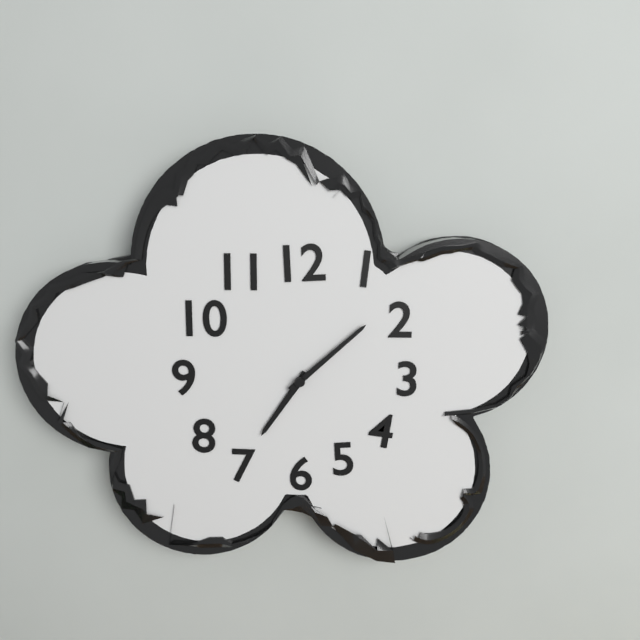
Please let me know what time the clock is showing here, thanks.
7:08
